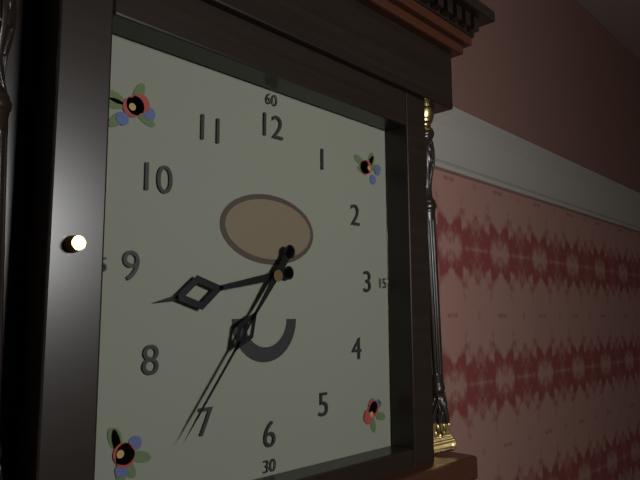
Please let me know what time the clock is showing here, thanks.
8:36
